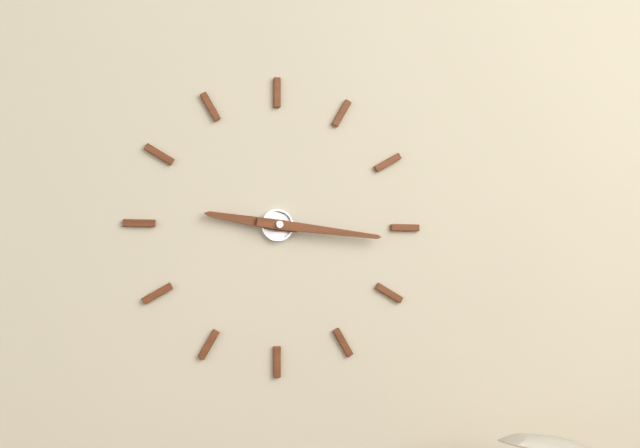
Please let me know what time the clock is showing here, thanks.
9:16
